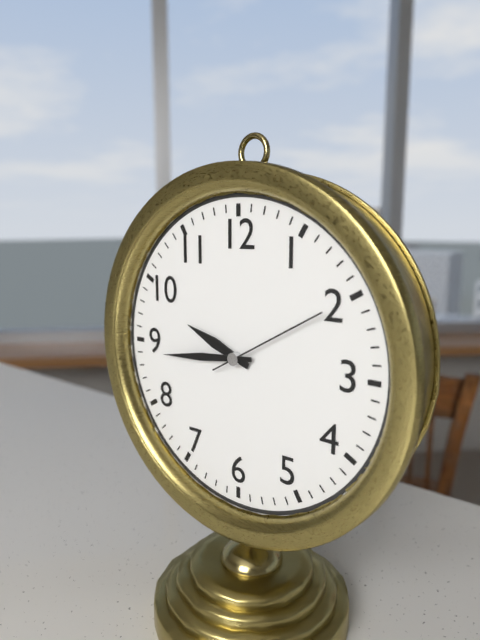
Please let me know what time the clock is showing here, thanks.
9:44:10
